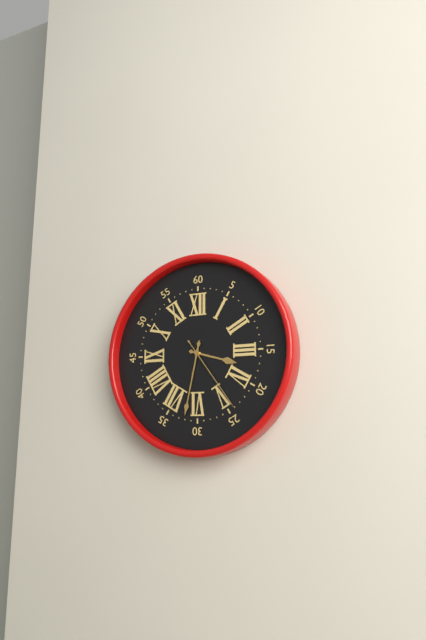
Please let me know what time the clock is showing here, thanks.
3:32:24
